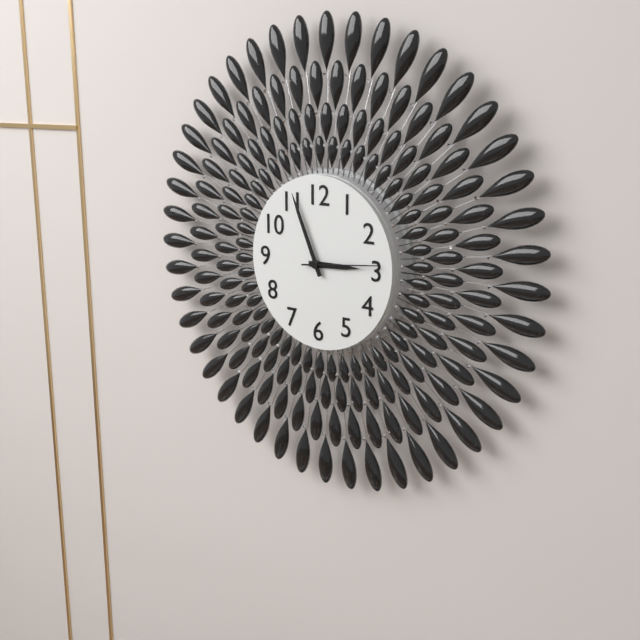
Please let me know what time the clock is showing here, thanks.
2:56:14
